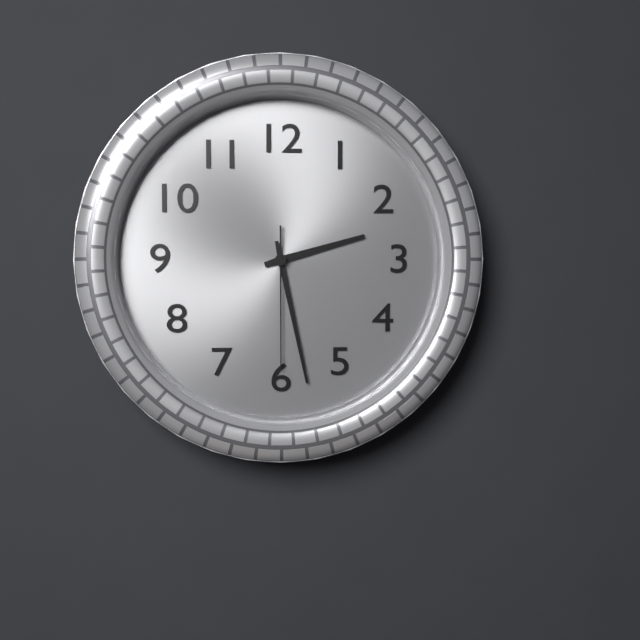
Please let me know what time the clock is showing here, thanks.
2:28:30
